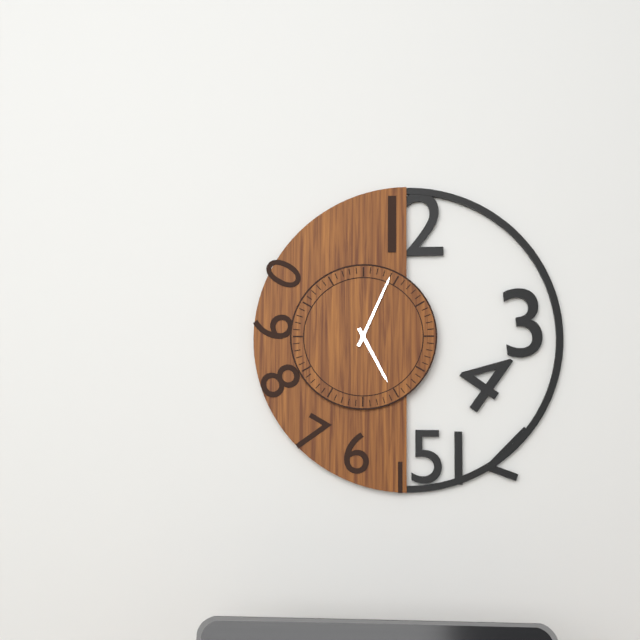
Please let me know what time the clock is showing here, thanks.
5:04
